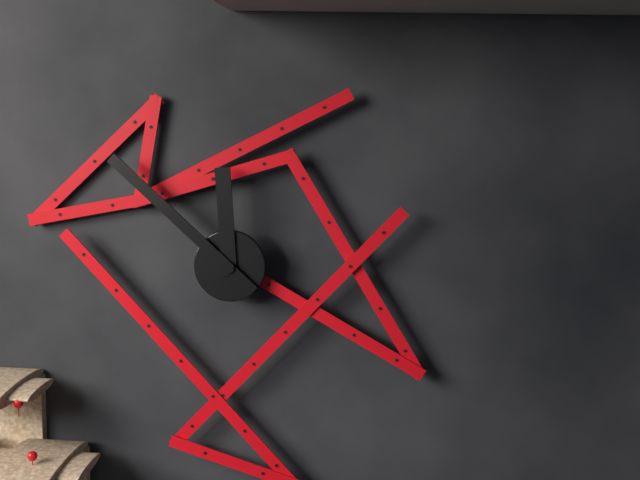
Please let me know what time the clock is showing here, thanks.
11:52
